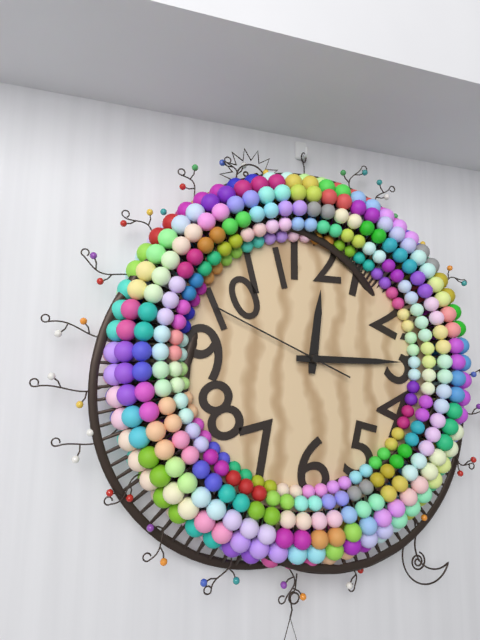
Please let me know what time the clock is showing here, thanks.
12:15:49
